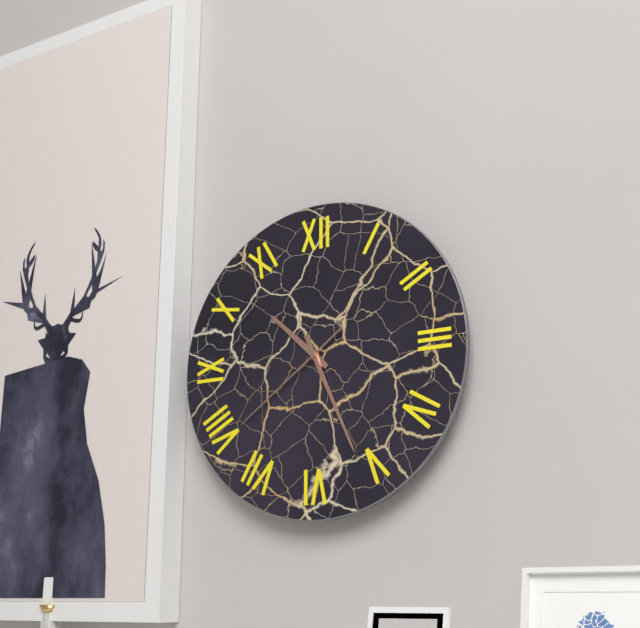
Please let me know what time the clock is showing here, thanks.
10:26:39
